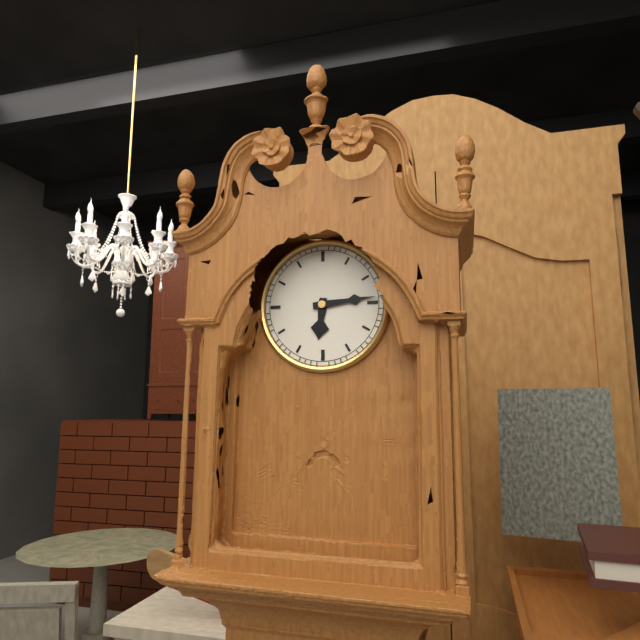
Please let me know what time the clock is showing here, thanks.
6:14
